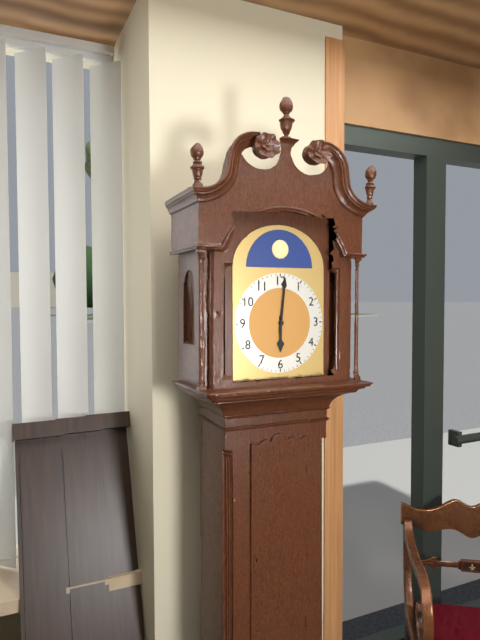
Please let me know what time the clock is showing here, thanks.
6:01
